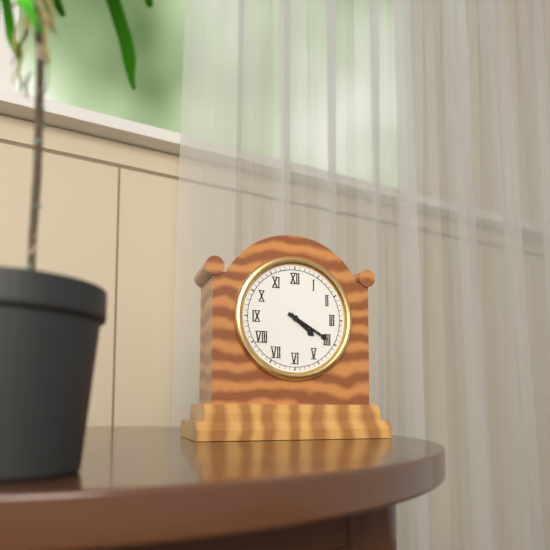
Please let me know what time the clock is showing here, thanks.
4:20
